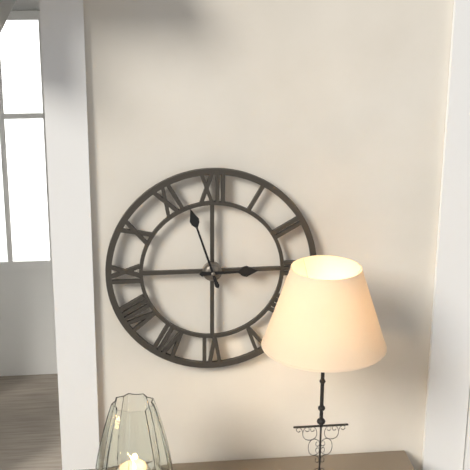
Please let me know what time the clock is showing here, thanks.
2:57
